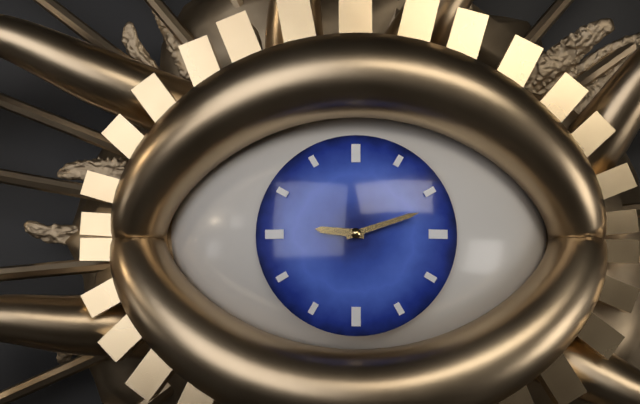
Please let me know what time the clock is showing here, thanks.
9:12
